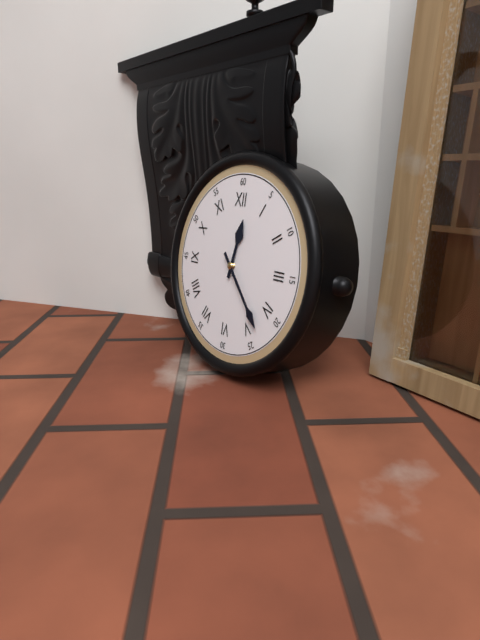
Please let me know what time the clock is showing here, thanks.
12:23
